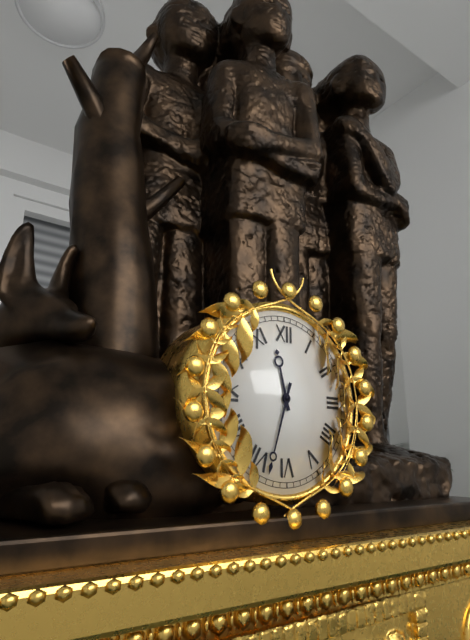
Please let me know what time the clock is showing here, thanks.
11:33
